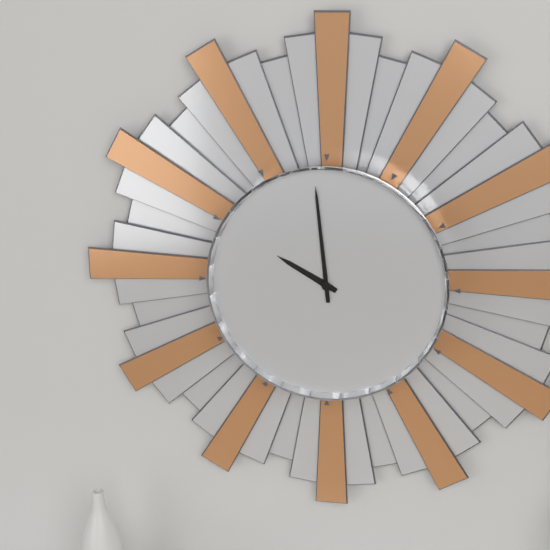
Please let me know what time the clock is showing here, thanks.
9:59
